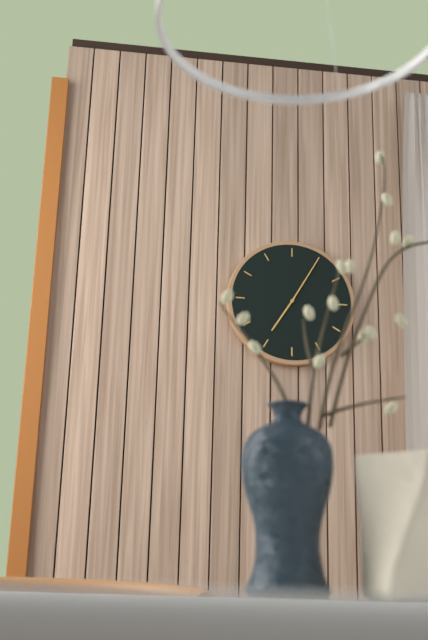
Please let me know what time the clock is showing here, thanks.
7:05
